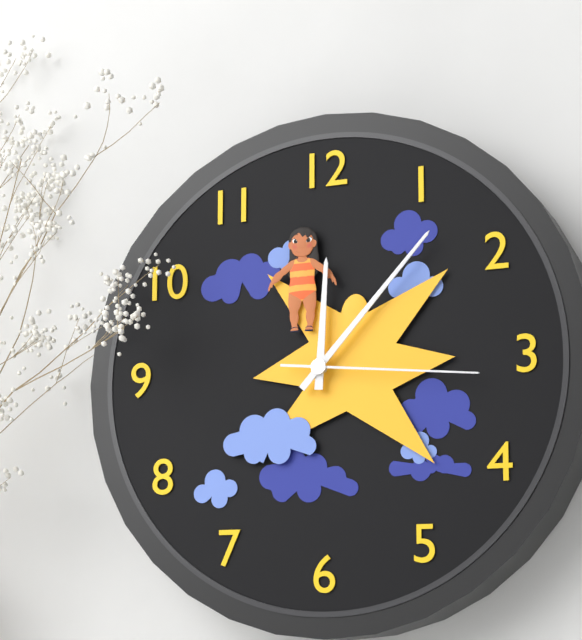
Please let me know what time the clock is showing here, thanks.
12:07:16
